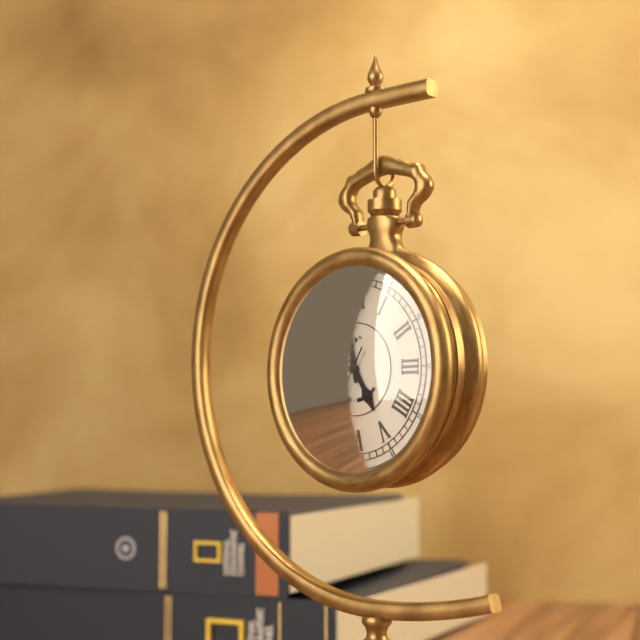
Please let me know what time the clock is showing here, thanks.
4:58:35
